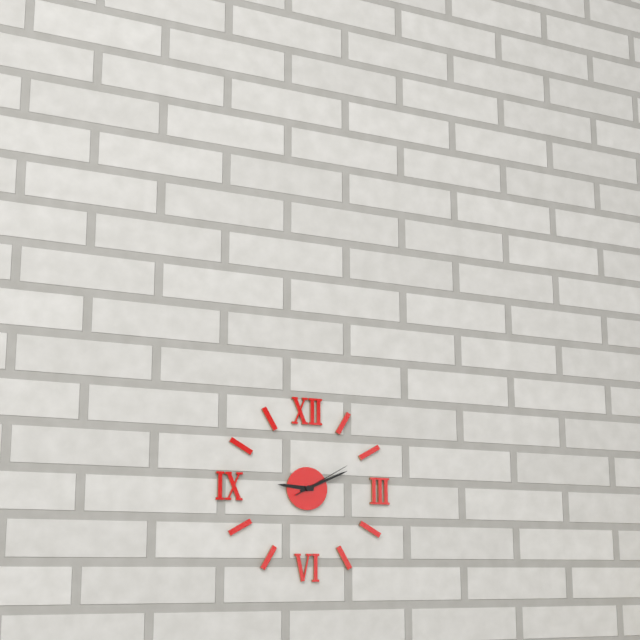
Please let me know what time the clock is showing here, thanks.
9:11:10
